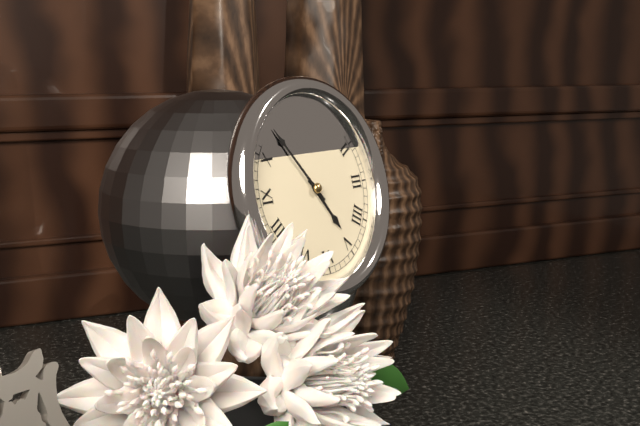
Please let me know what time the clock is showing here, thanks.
4:54
